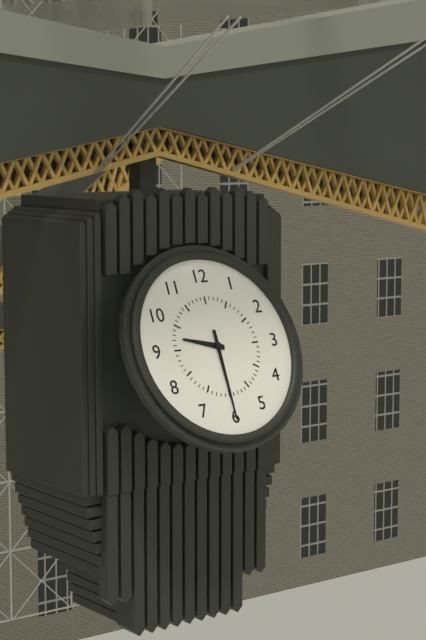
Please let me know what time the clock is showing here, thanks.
9:30
